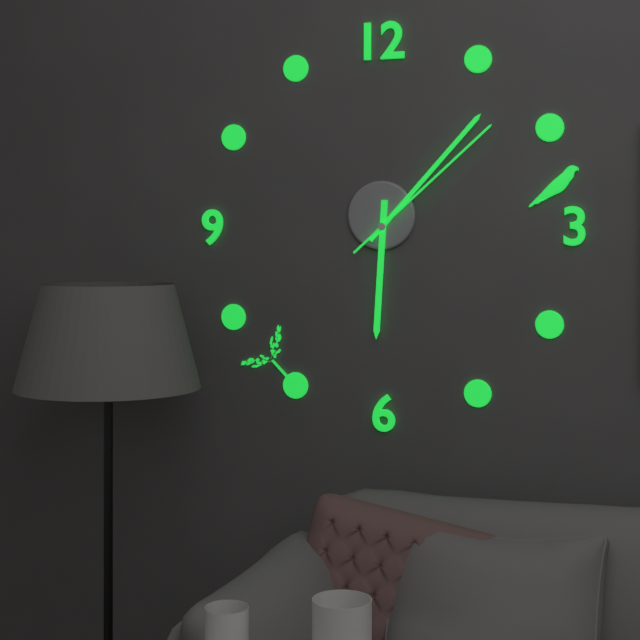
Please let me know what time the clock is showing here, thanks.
6:07:08
